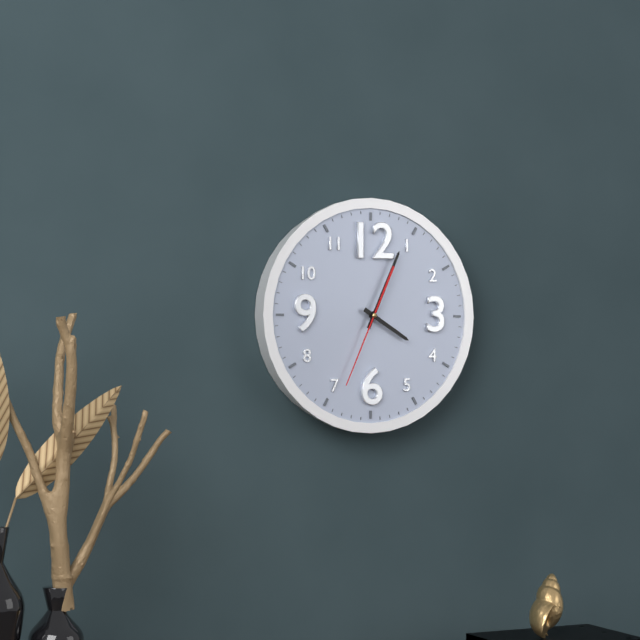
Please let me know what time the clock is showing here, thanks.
4:04:34
